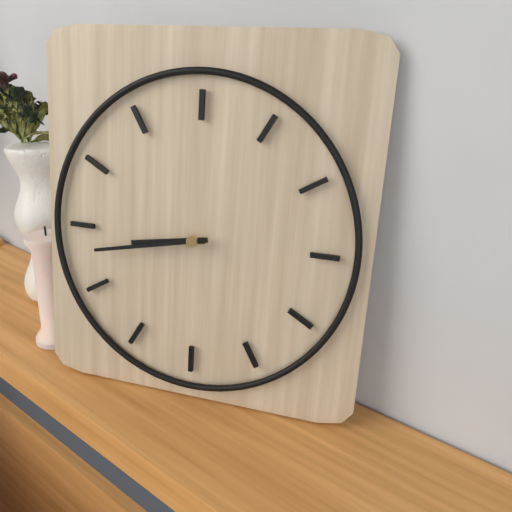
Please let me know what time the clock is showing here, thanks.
8:43
